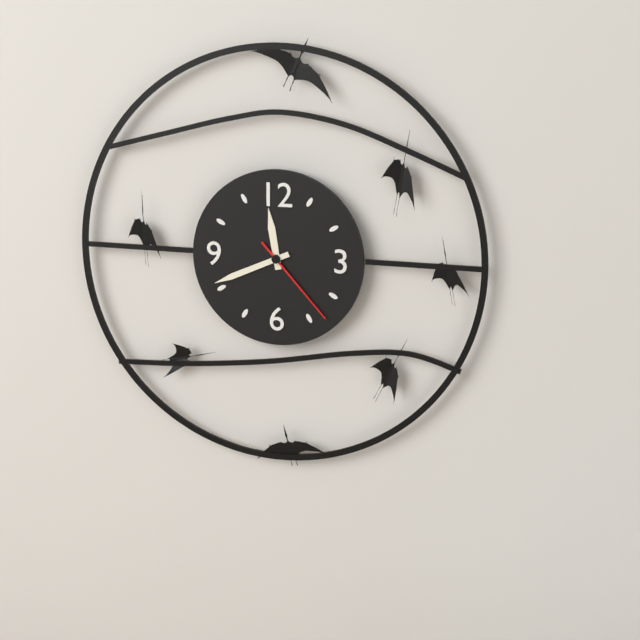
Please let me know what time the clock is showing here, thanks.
11:41:23
